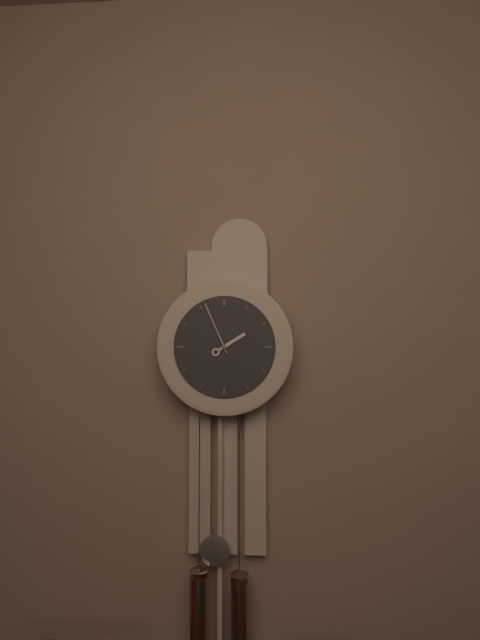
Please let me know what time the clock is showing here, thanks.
1:56
